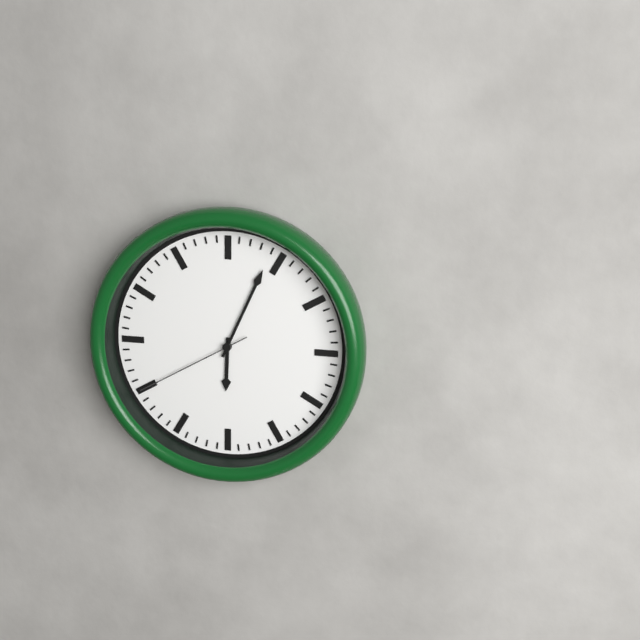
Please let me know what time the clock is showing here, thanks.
6:04:40
